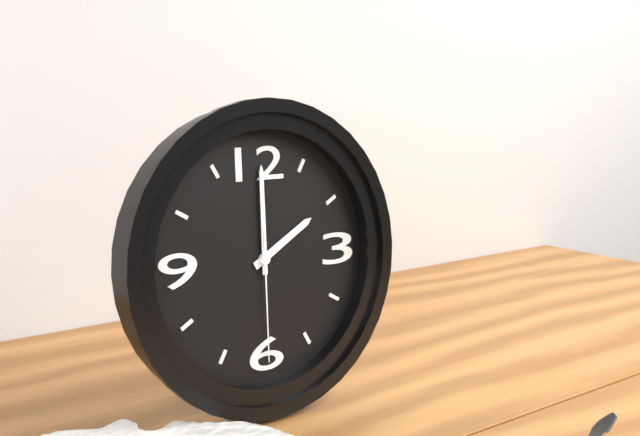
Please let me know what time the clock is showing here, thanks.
2:00:30
